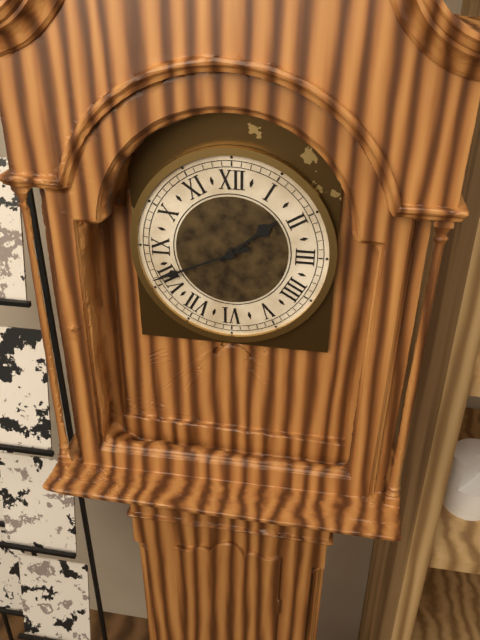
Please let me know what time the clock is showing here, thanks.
1:41
